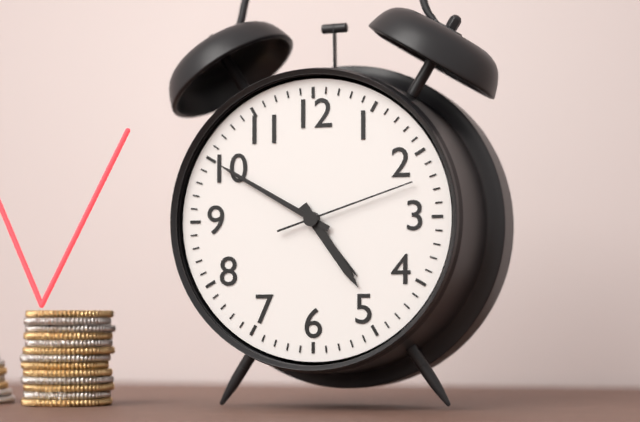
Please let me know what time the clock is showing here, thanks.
4:50:12
